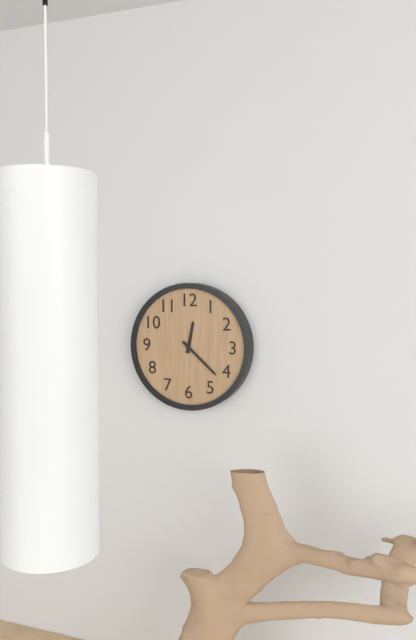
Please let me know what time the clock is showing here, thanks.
12:22
